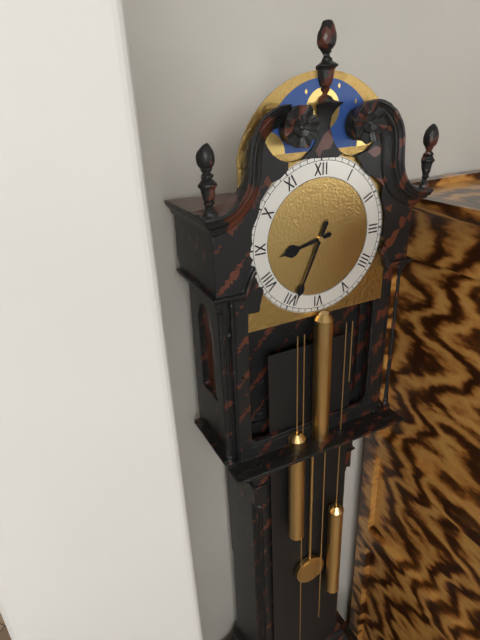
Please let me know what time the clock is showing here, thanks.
8:34
